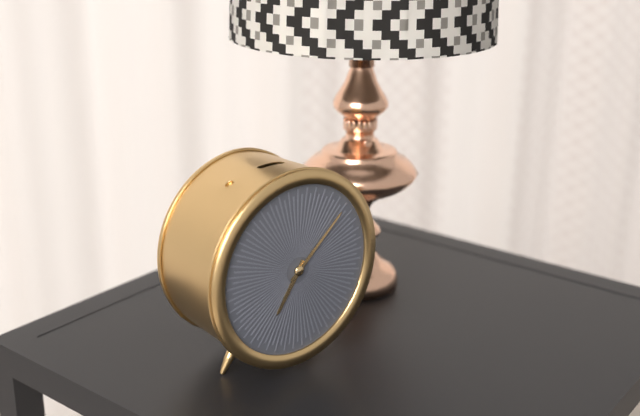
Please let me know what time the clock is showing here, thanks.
7:08
